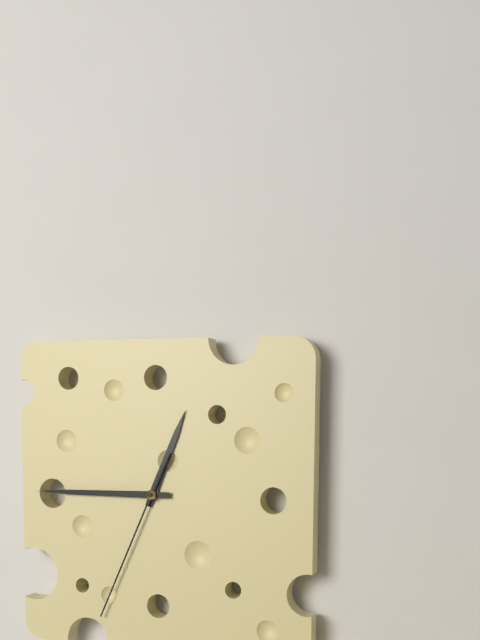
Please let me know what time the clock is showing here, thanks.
12:45:34
